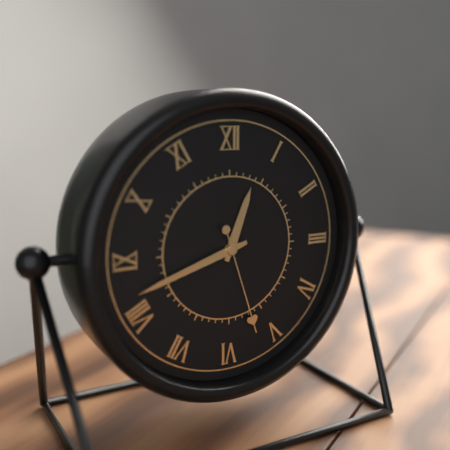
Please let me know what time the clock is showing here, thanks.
12:42:27
